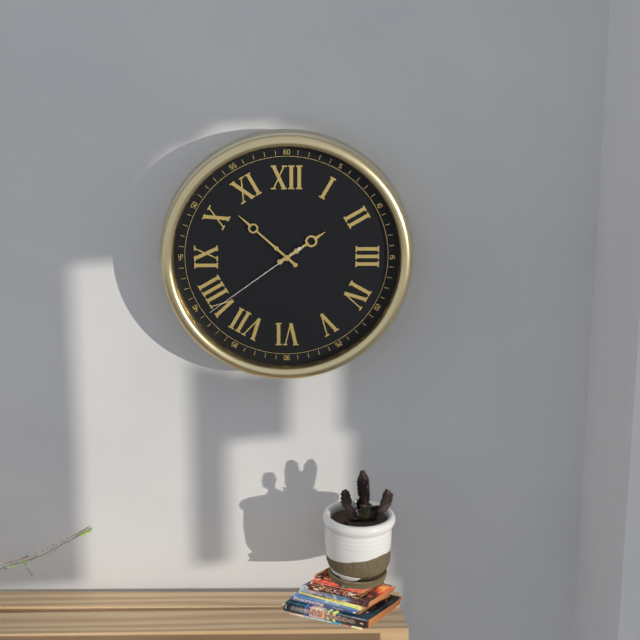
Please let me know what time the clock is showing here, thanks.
1:52:39
